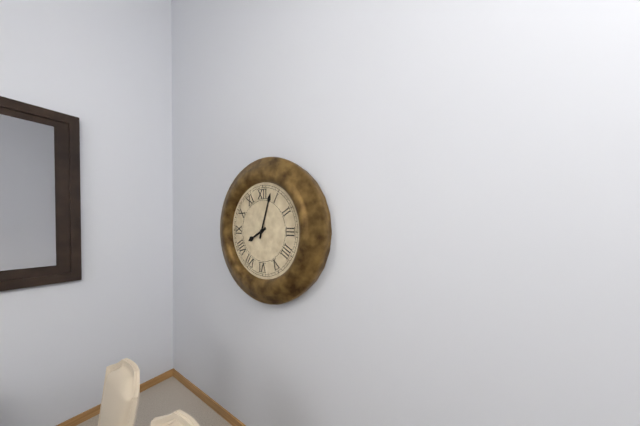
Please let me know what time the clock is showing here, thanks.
8:03
